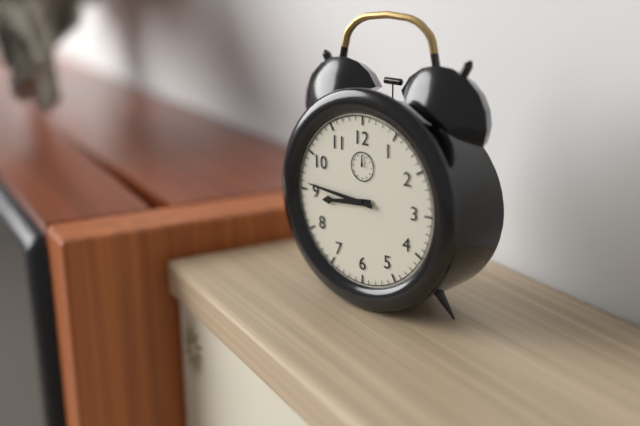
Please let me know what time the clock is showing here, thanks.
8:46
